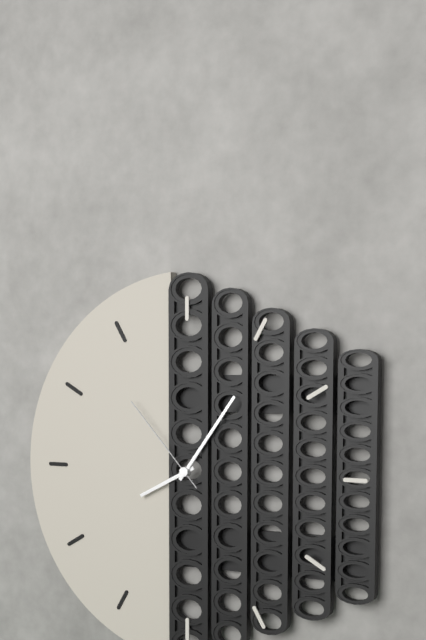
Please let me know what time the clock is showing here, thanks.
8:06:53
